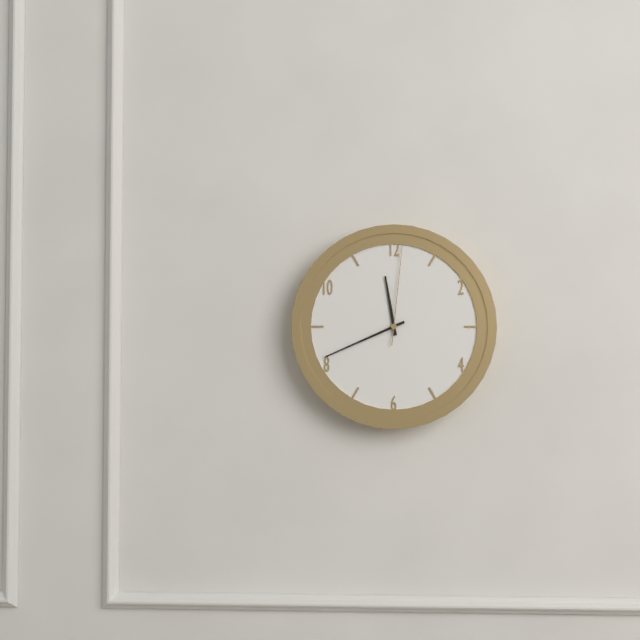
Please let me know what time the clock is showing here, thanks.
11:41:01
